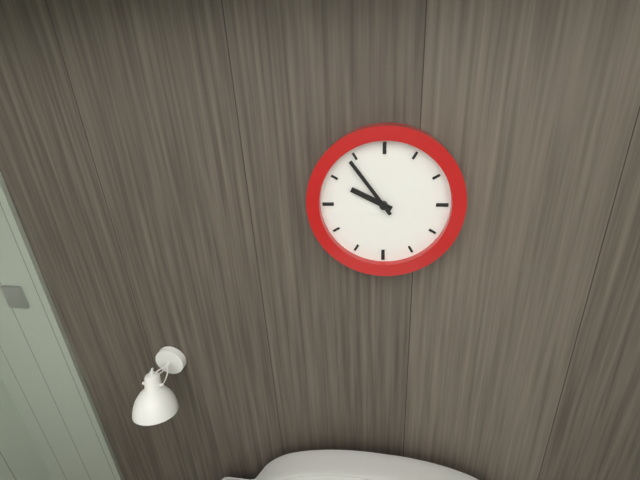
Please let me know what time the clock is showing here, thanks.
9:54
